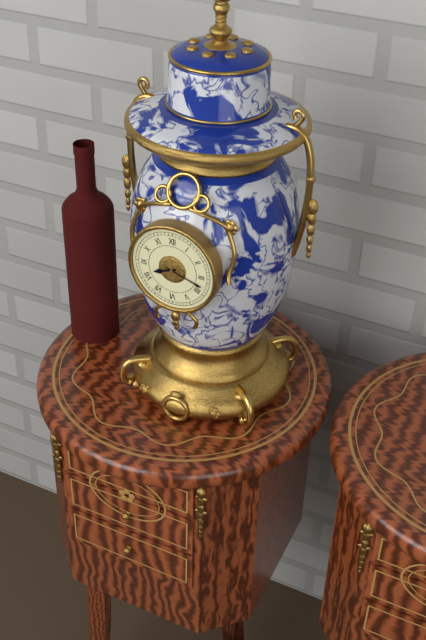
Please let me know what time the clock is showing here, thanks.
8:18
